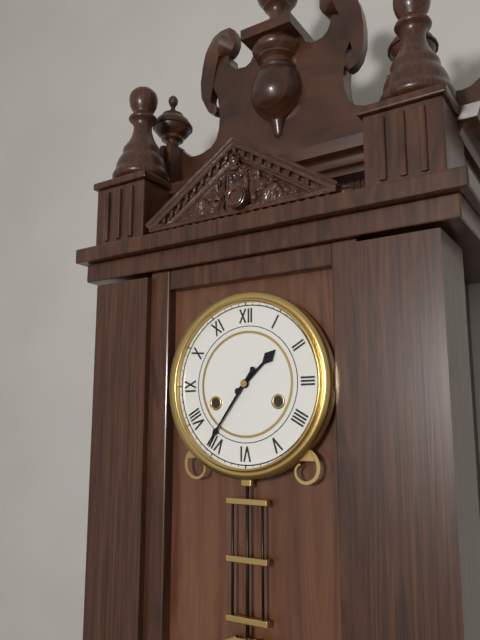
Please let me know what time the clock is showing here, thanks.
1:36
